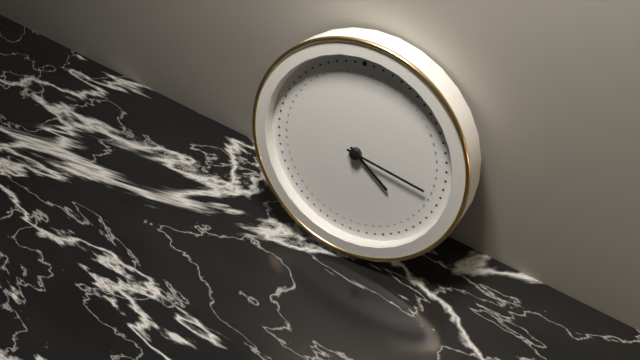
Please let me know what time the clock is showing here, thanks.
4:17
